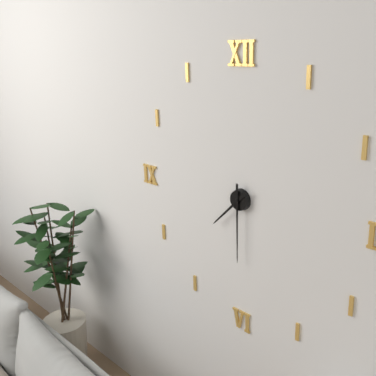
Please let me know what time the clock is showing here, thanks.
7:30
